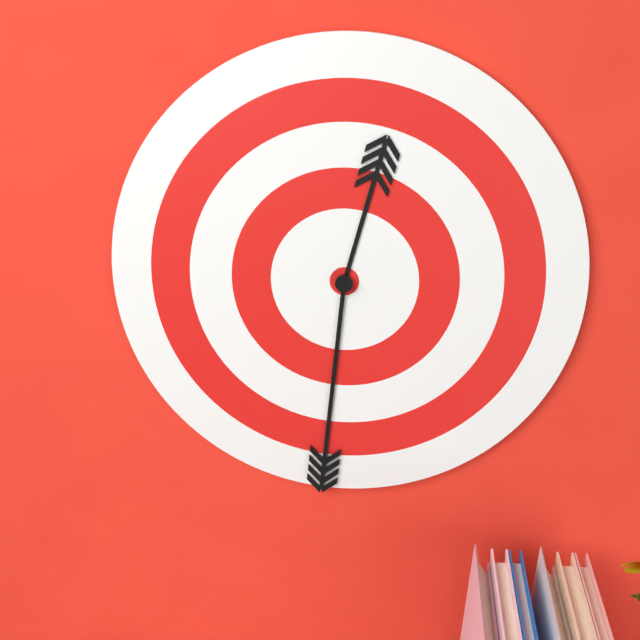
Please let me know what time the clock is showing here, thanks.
12:31
